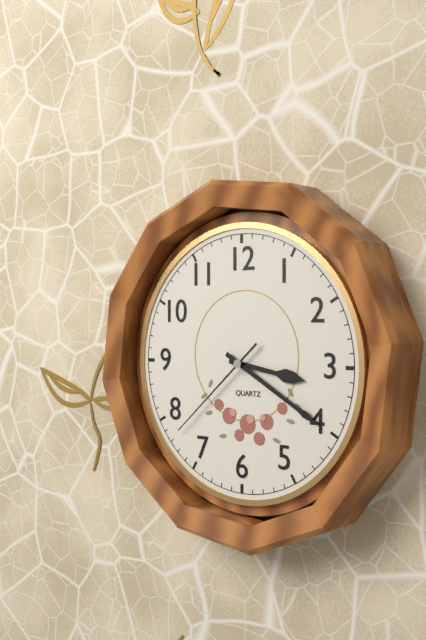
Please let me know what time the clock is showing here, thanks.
3:20:38
